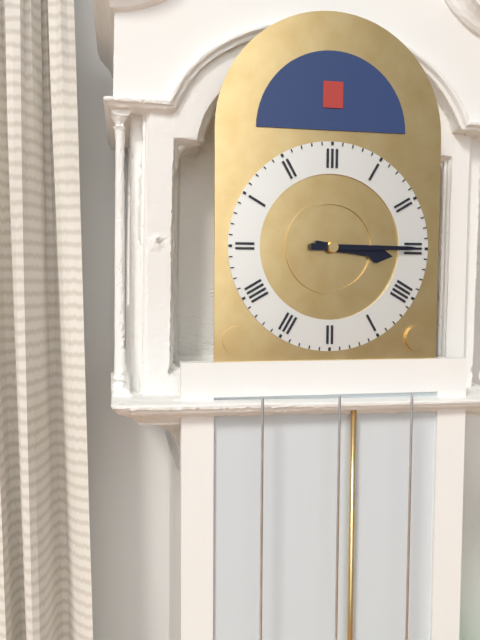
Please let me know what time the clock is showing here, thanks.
3:15
